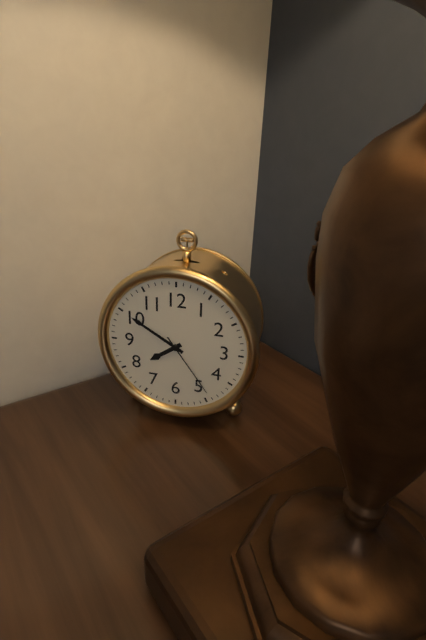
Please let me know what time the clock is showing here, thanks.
7:50:24
